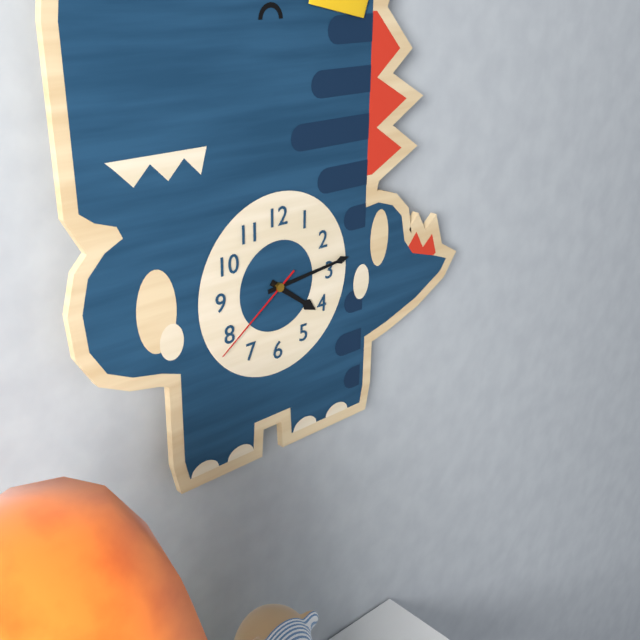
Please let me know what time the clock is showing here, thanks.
4:14:39
